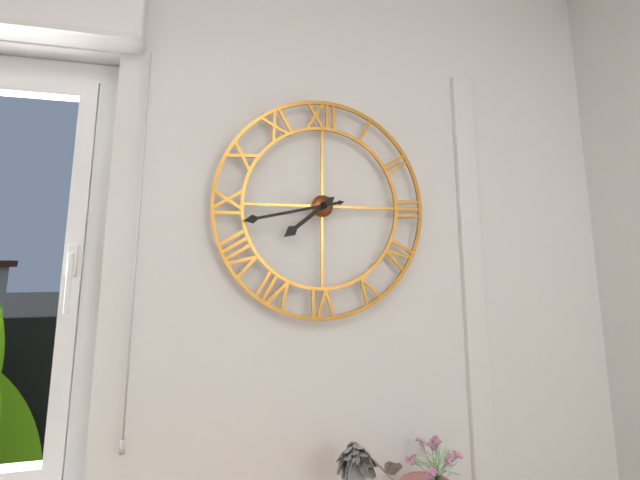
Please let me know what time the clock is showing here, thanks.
7:43
